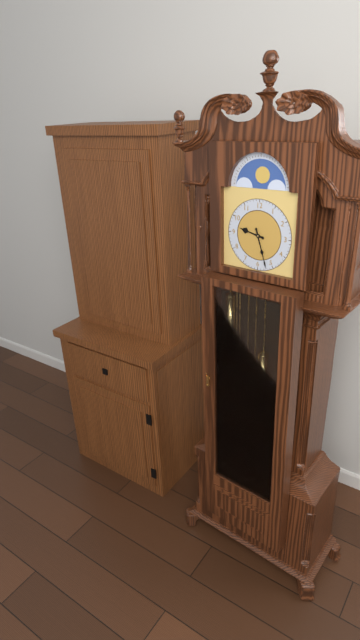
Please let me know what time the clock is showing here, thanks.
9:27
